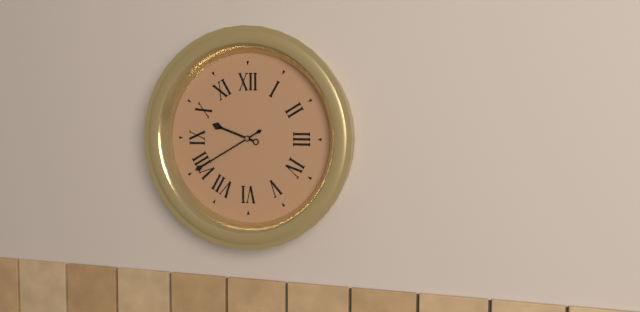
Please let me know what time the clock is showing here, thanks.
9:40
